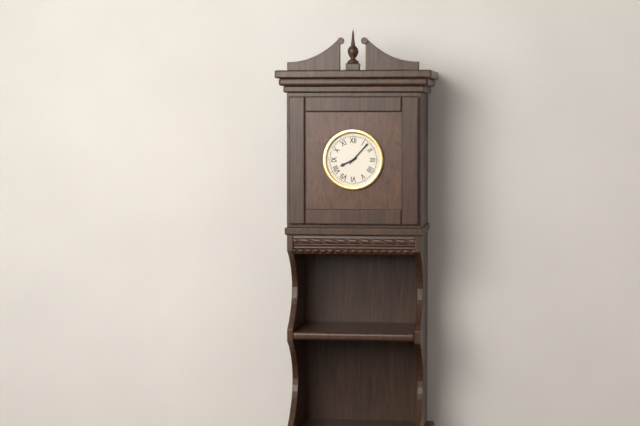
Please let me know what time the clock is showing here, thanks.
8:07
